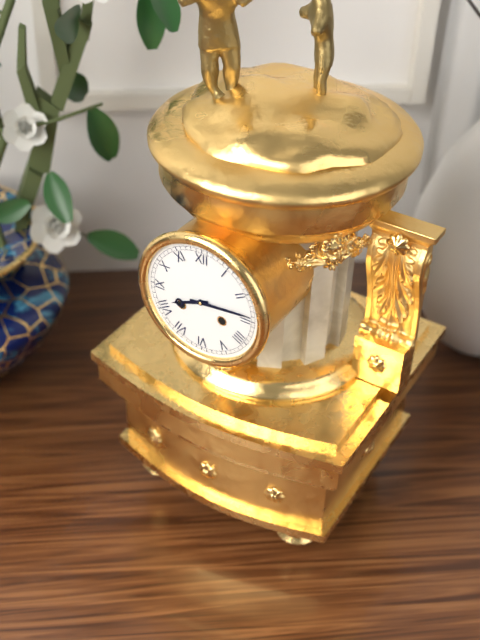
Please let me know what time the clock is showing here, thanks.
8:14
